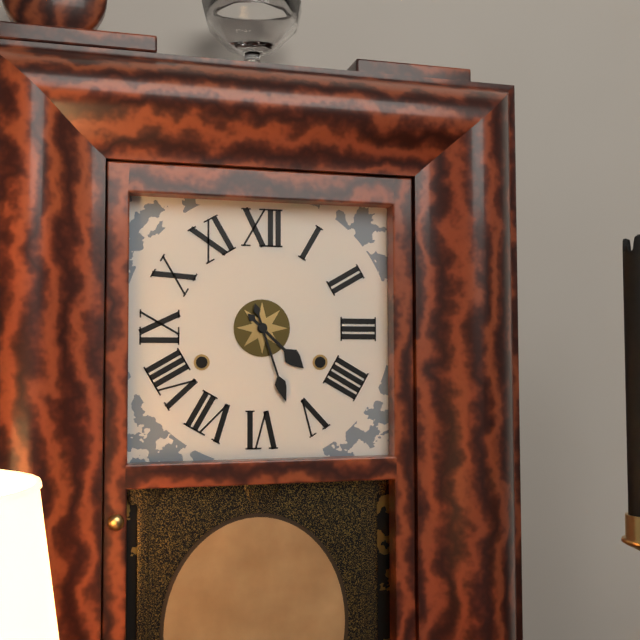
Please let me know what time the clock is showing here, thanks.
4:27
